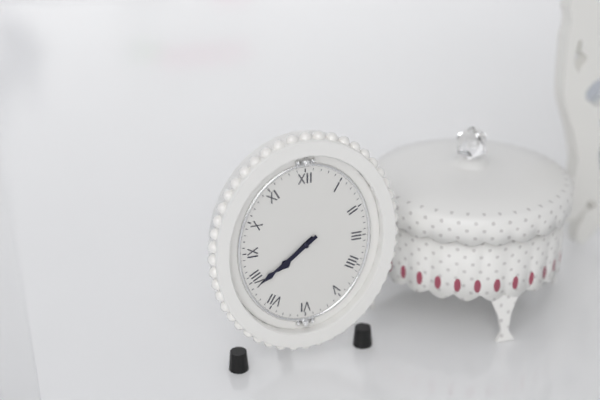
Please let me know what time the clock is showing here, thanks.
7:39
